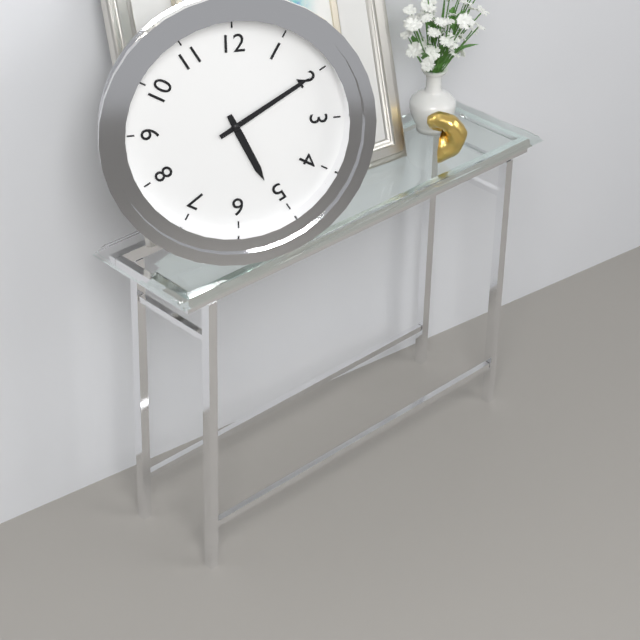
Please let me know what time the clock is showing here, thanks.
5:10
